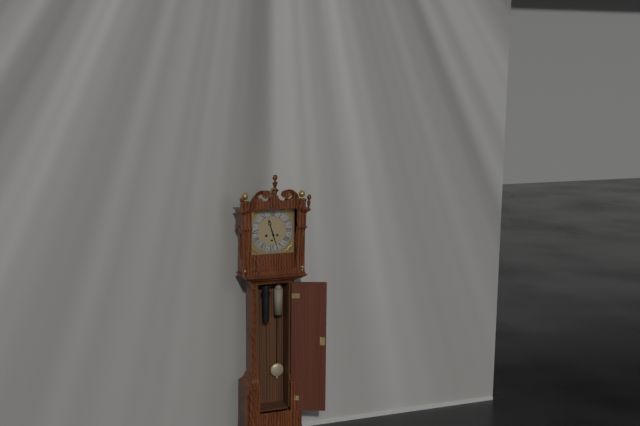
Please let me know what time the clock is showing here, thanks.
11:27
